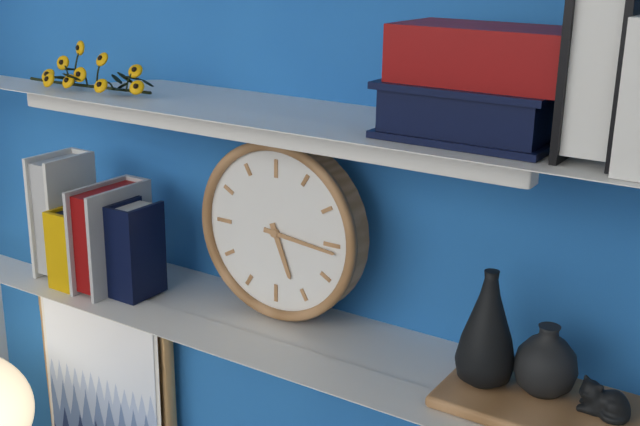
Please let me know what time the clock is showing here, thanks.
5:16
